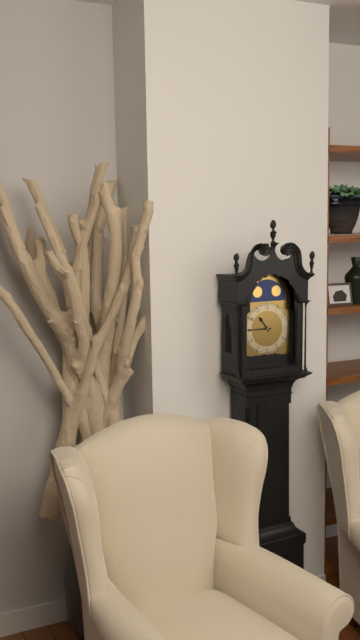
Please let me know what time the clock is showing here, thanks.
10:45
